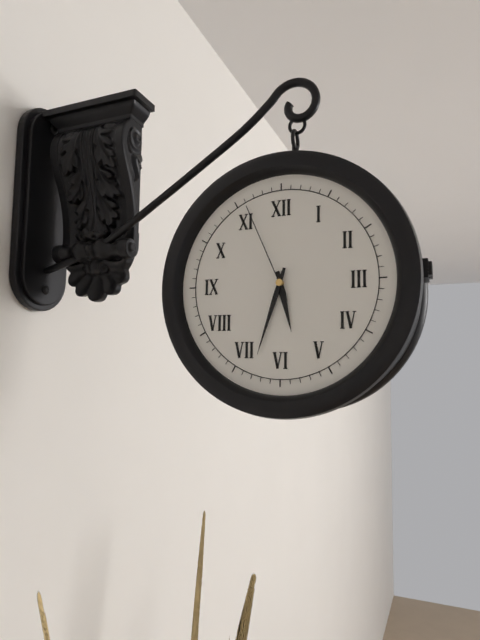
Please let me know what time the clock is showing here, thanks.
5:33:56
